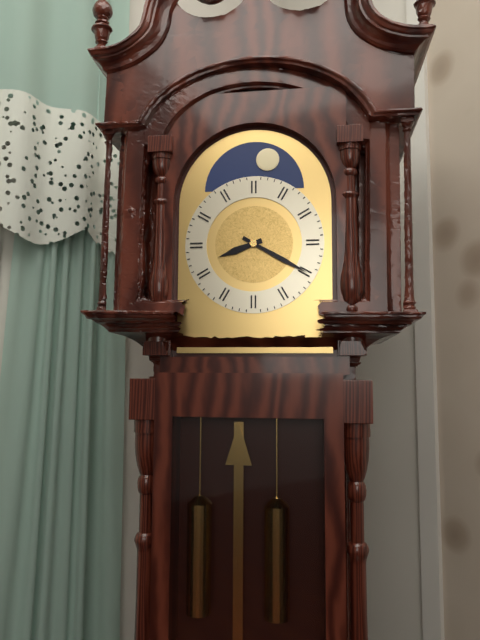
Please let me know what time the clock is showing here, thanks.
8:20
